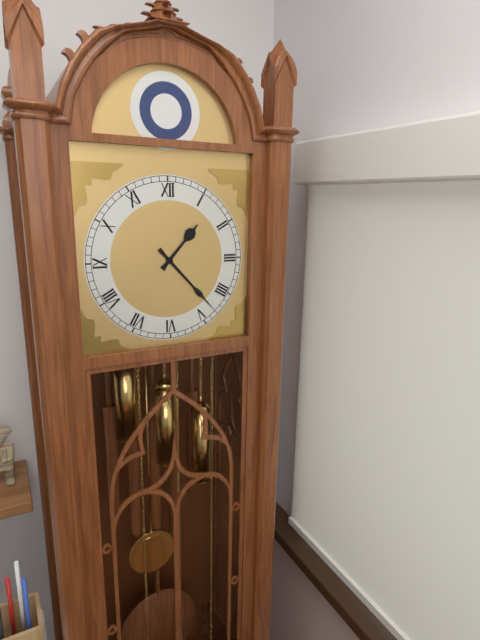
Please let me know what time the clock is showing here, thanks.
1:23
